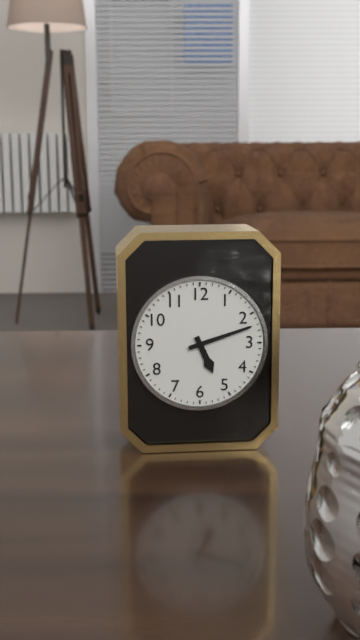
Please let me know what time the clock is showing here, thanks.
5:12
